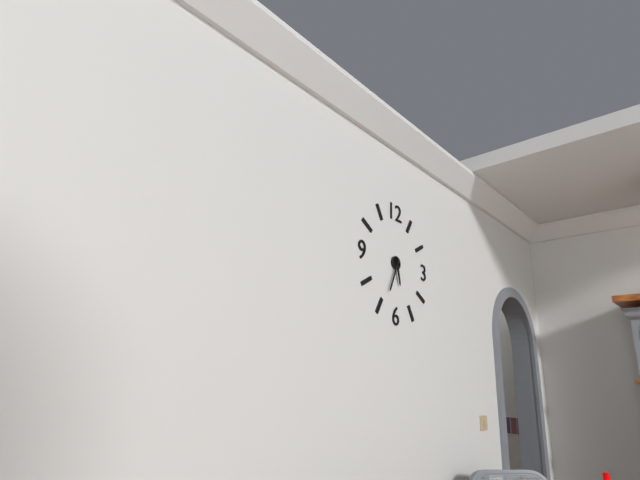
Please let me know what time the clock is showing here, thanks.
5:34
